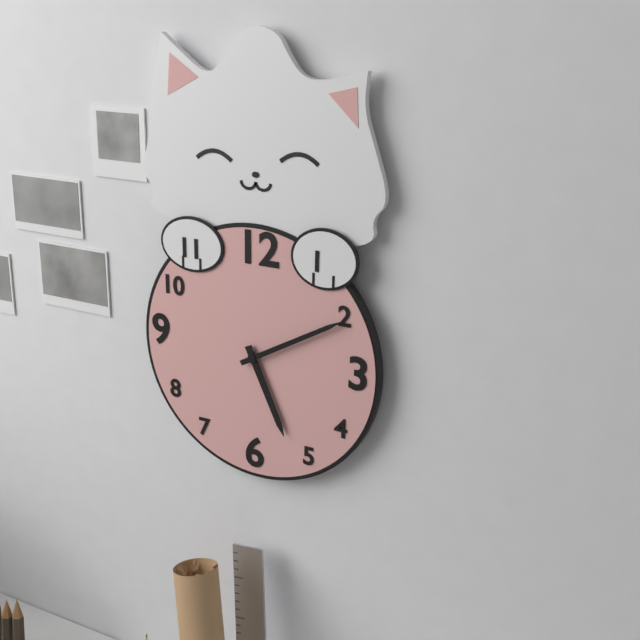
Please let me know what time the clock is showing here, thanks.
5:10
